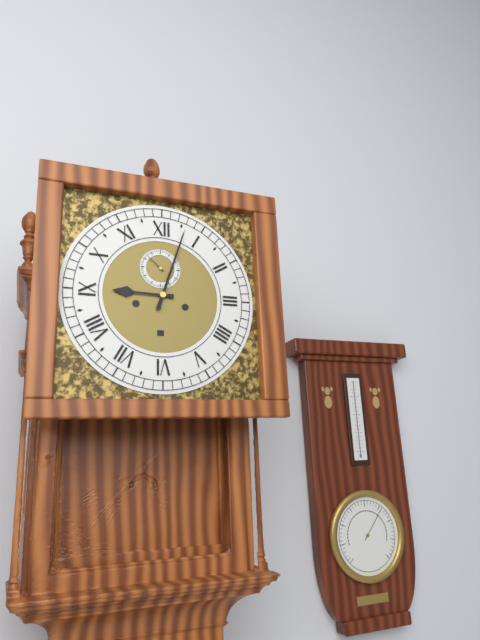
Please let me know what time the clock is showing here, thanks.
9:03
